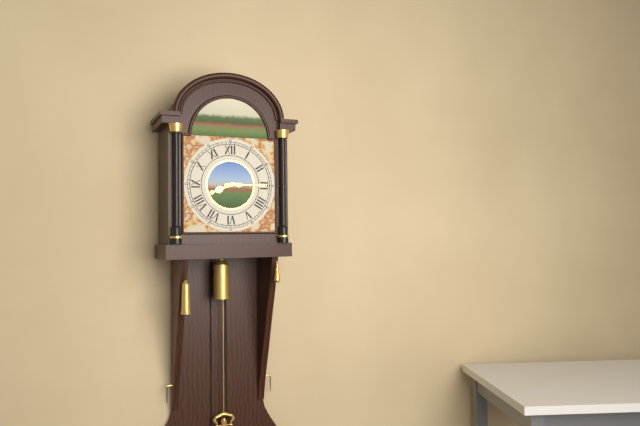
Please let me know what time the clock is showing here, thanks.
8:15
